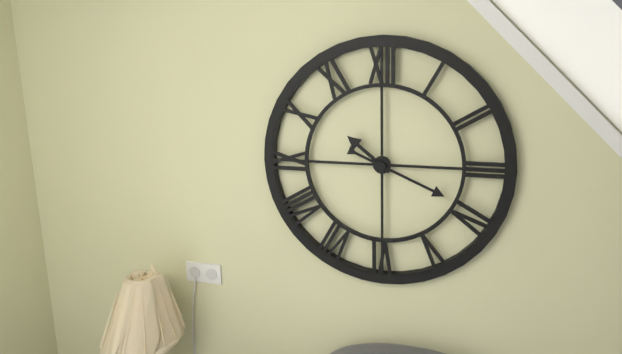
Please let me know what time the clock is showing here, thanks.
10:19
